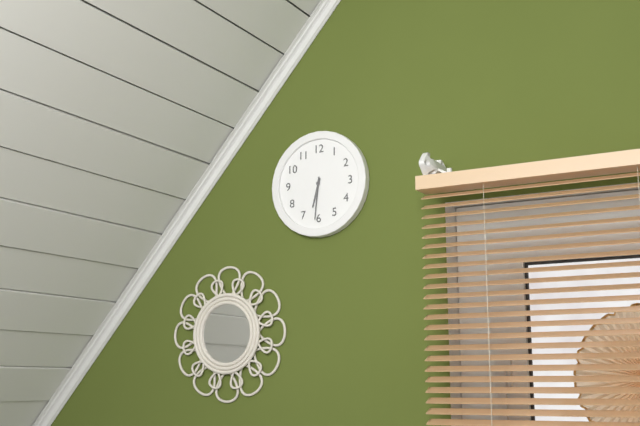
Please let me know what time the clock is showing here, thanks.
6:31
